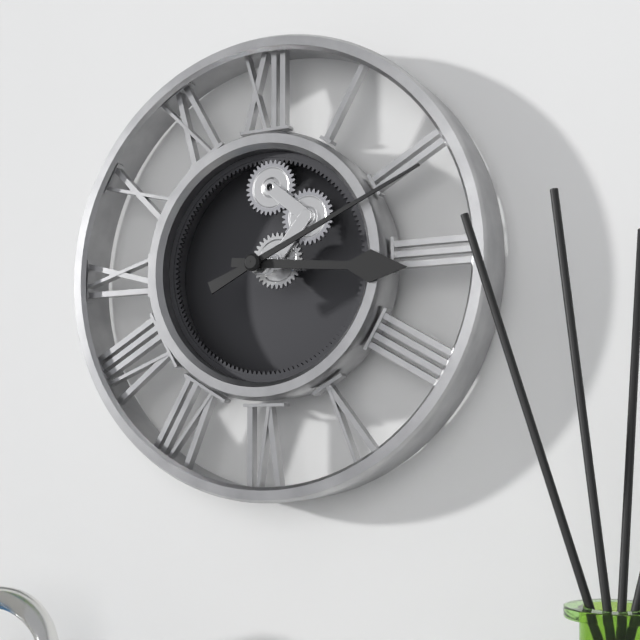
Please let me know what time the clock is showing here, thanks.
3:11
